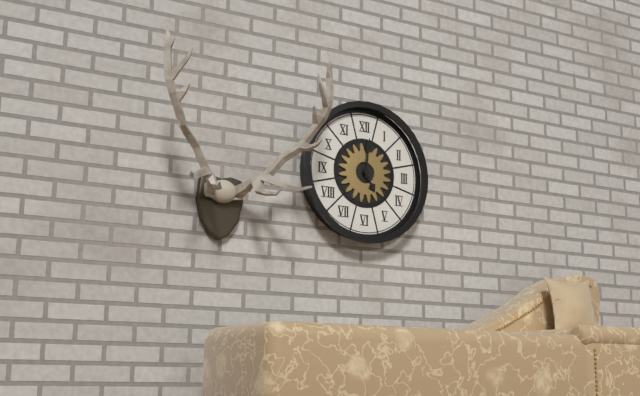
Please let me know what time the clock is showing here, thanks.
5:01
